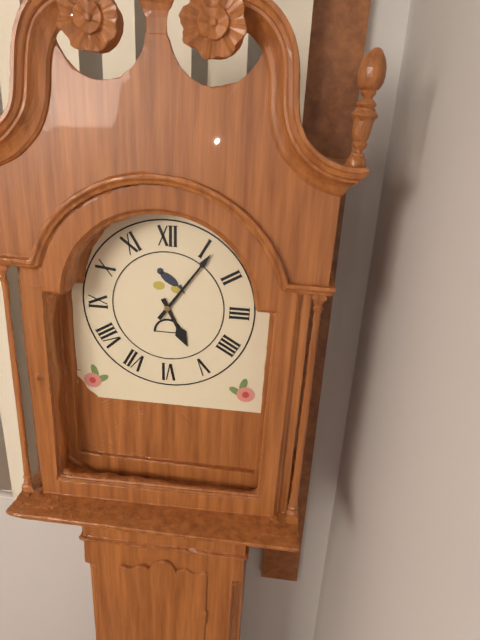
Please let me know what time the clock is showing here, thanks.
5:06
